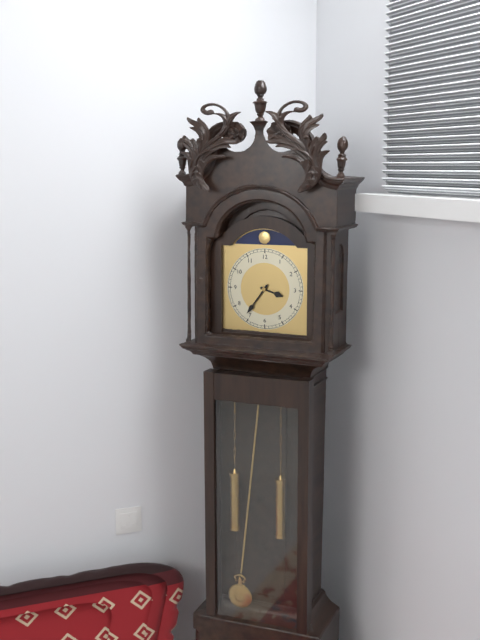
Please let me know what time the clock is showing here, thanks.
3:36
